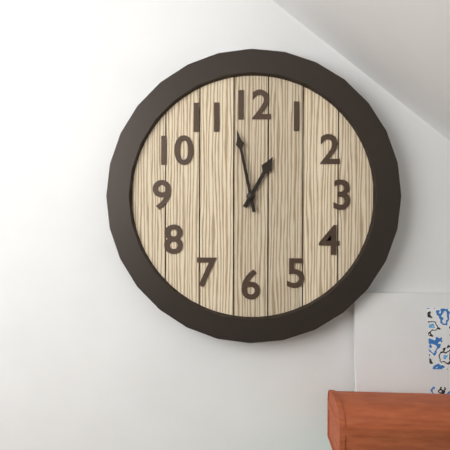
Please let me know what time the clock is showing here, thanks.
12:58
